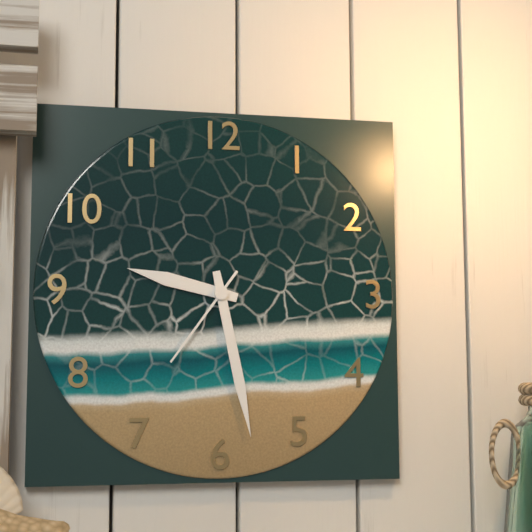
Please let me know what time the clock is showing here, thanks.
9:28:36
